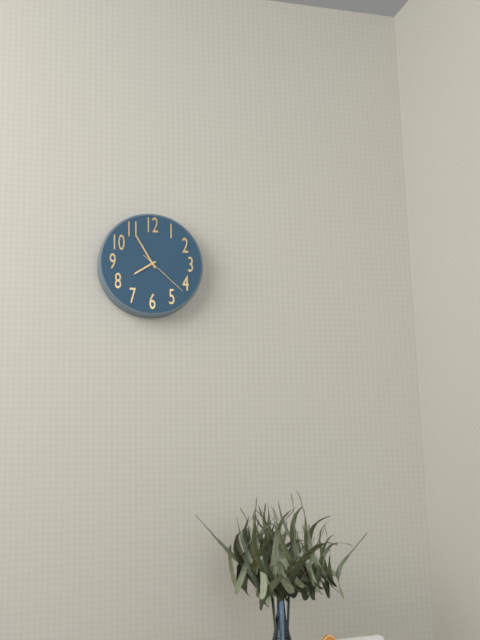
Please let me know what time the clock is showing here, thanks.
7:55:22
